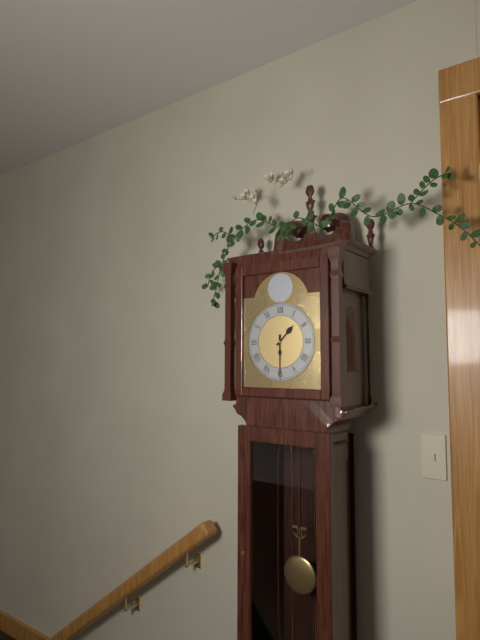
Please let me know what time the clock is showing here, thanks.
1:30
